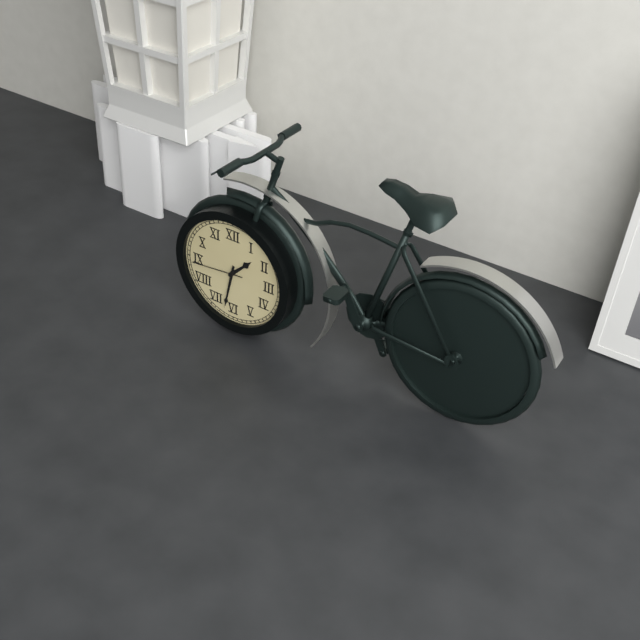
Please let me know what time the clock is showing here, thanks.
1:32:44
